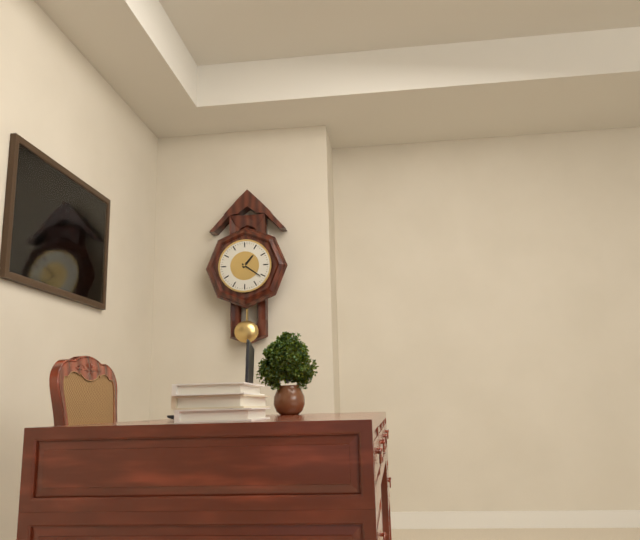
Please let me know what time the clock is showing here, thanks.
1:21
